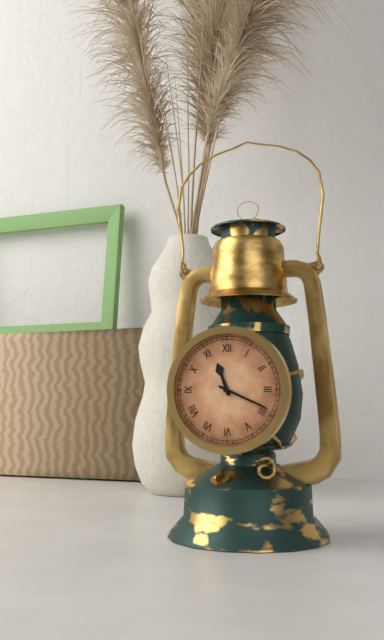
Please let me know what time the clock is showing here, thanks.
11:19
